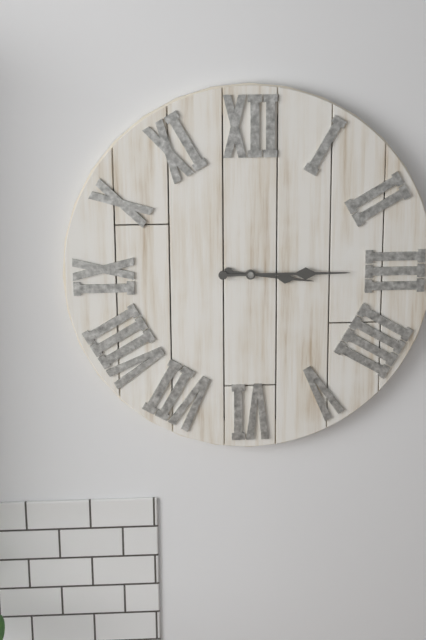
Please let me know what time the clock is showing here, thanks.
3:15
